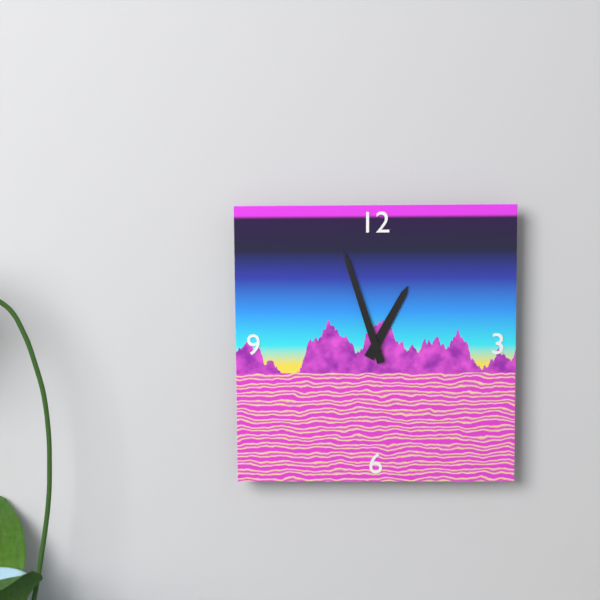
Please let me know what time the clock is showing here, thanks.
12:57
